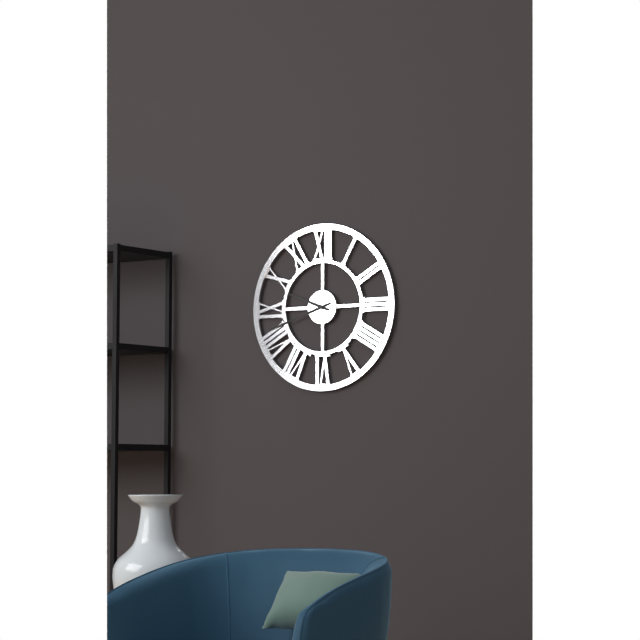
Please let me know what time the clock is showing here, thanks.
9:42
